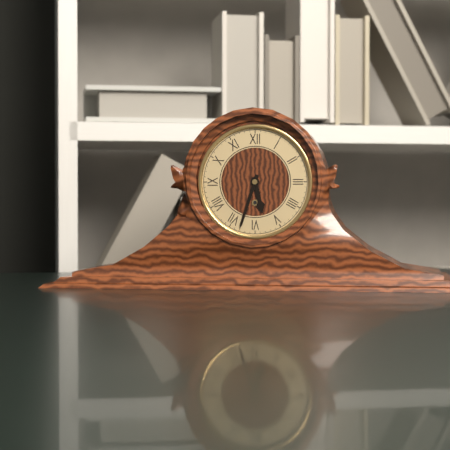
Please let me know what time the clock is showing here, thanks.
5:33
